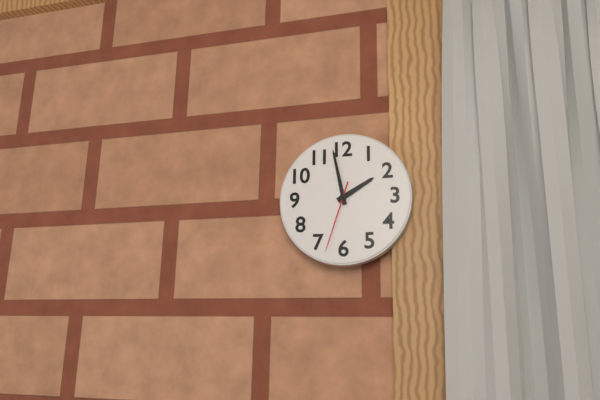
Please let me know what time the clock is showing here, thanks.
1:58:33
